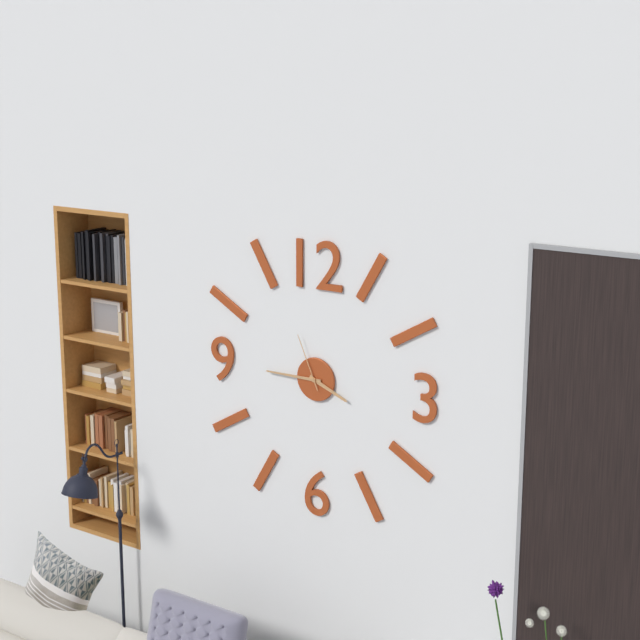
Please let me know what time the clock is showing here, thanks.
3:45:56
